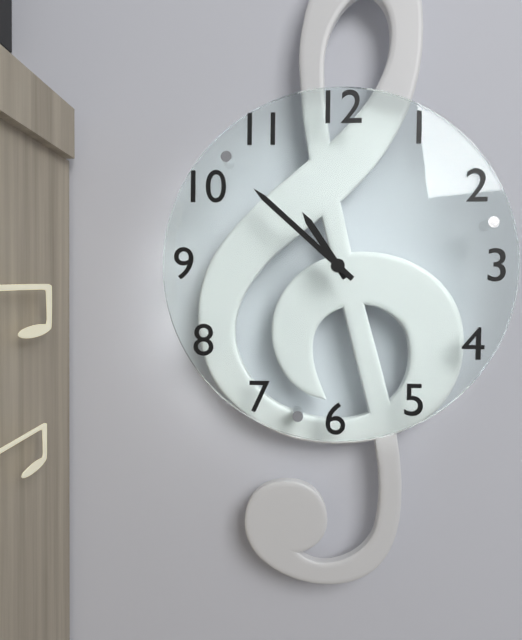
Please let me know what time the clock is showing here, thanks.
10:52
